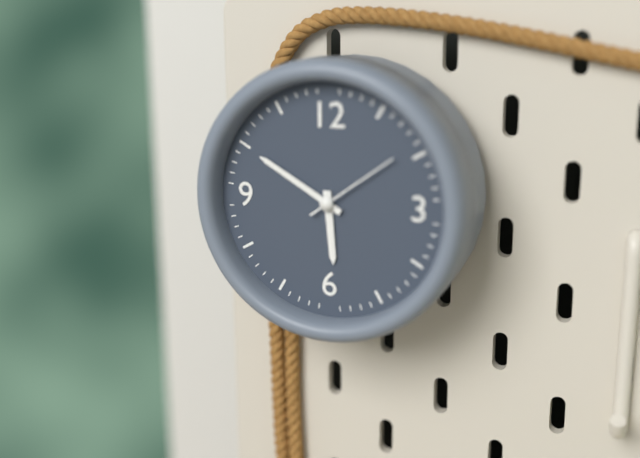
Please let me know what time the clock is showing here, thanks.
5:50:09
